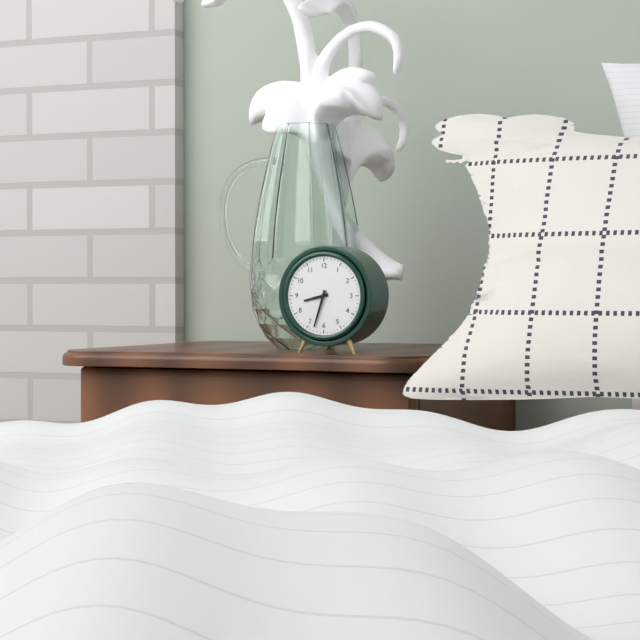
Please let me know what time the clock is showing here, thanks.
8:33
